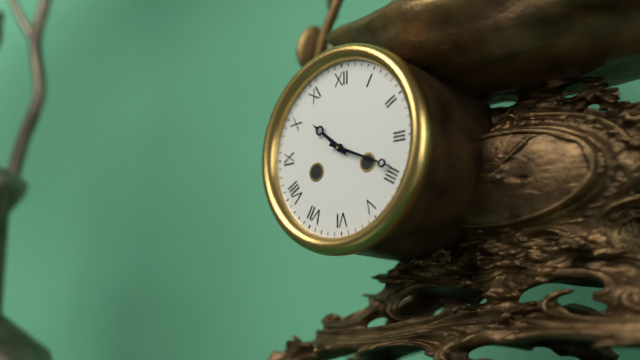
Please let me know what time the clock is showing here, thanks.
10:19
